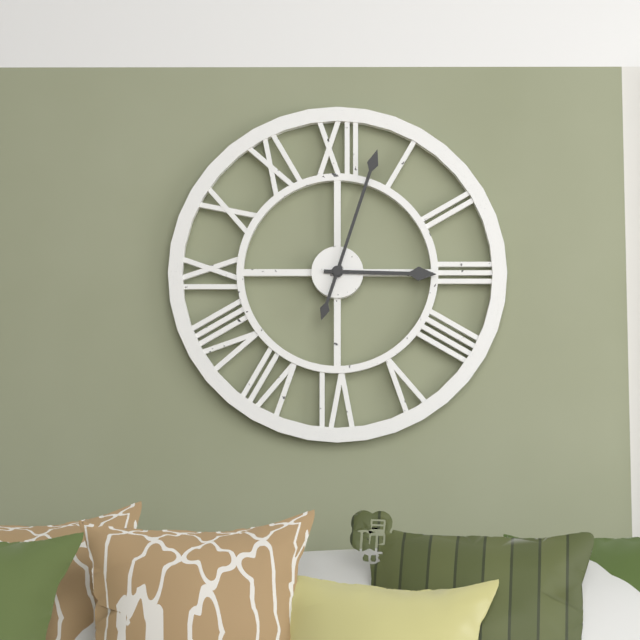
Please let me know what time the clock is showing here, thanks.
3:03
